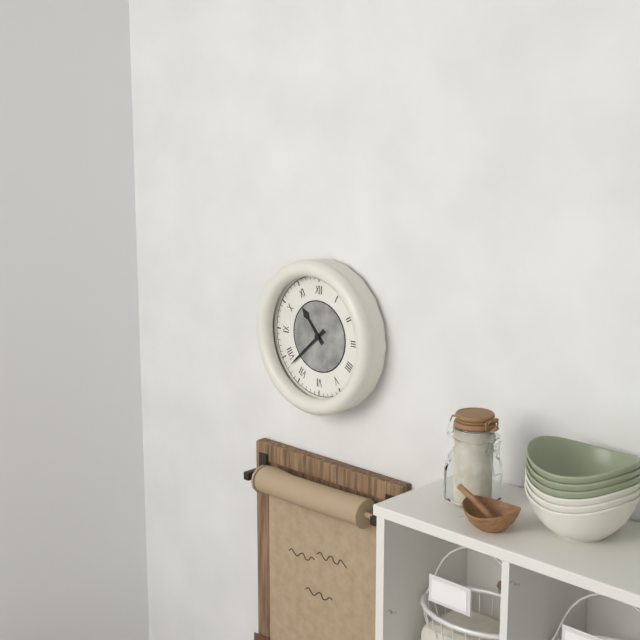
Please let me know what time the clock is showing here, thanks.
10:38
